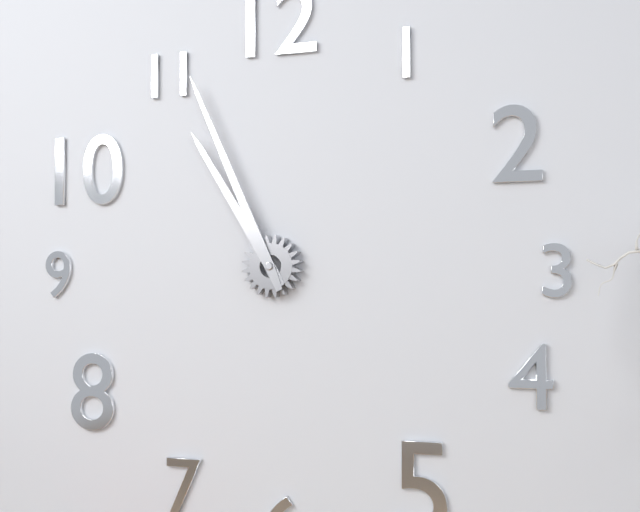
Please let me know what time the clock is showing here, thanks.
10:56
